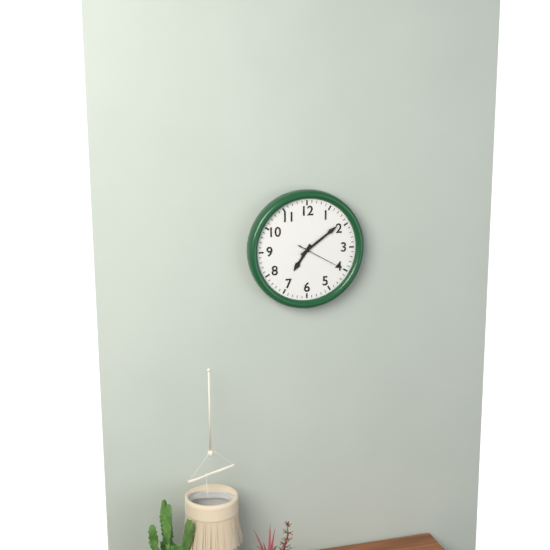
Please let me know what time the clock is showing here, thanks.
7:09:20
